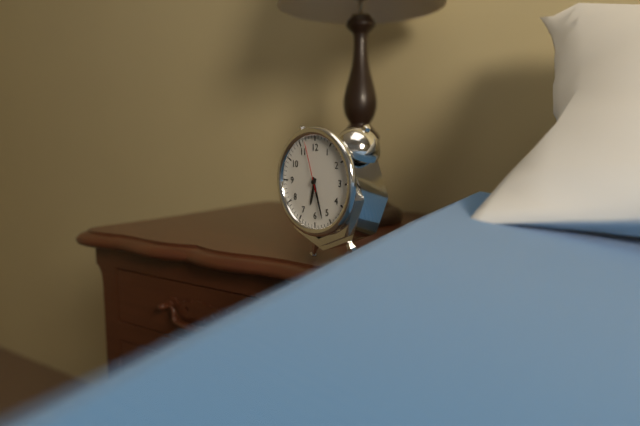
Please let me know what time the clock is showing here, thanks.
6:27:57
